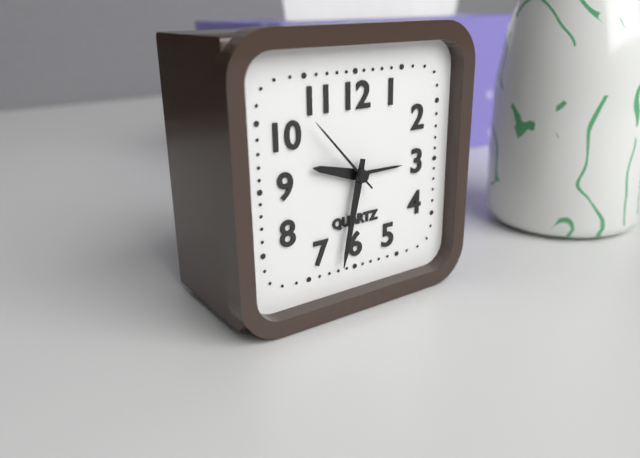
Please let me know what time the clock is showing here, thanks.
9:32:53
